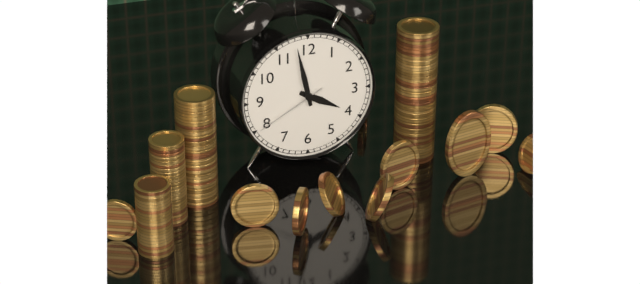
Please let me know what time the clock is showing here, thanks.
3:58:40
